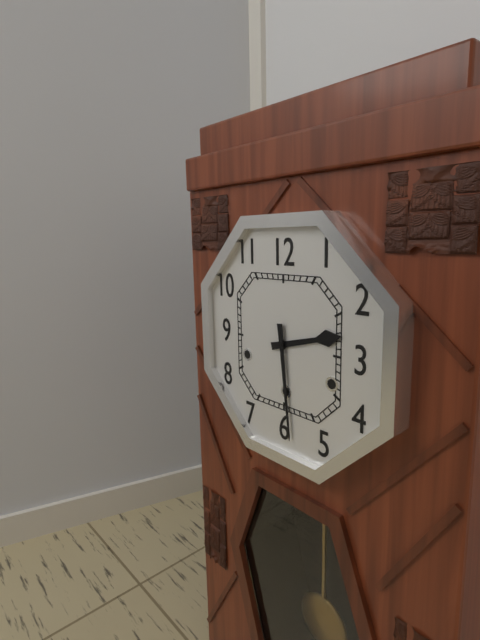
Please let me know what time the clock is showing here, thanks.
2:29
